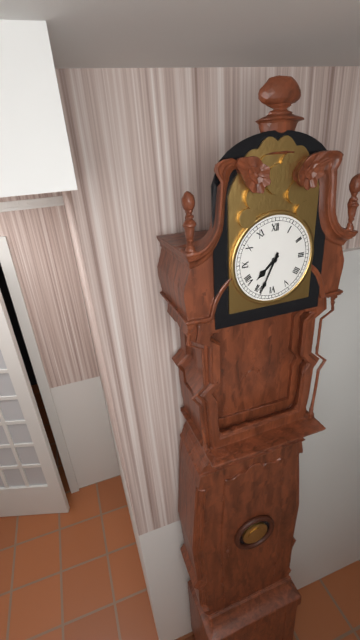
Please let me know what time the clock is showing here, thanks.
7:34
